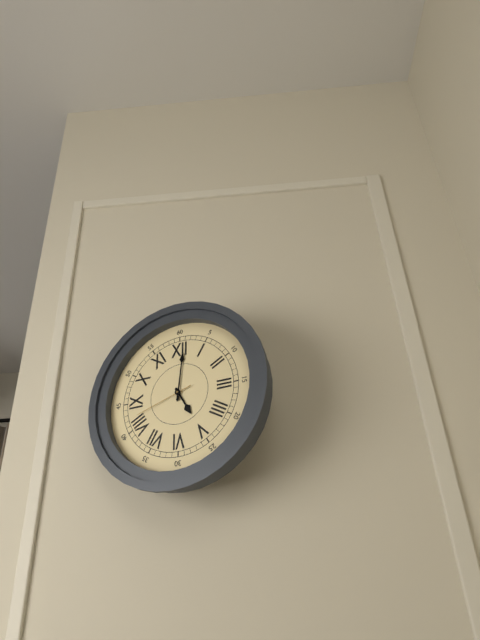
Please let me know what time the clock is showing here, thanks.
5:01:42
